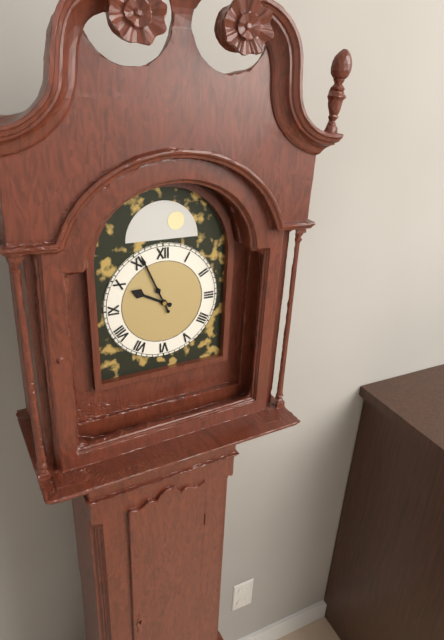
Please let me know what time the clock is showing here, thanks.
9:56
